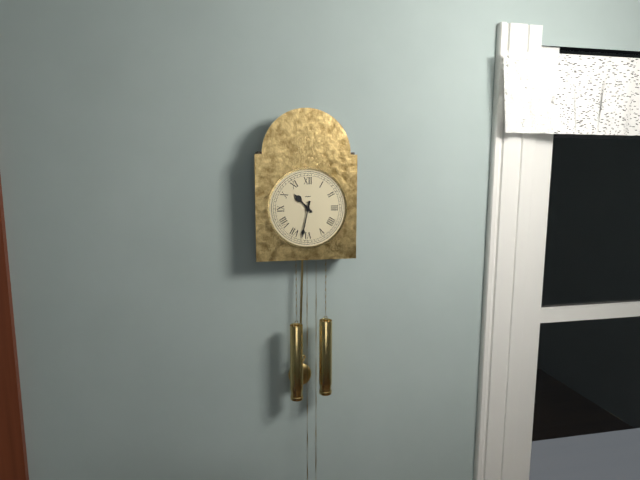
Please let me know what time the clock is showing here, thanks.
10:32
